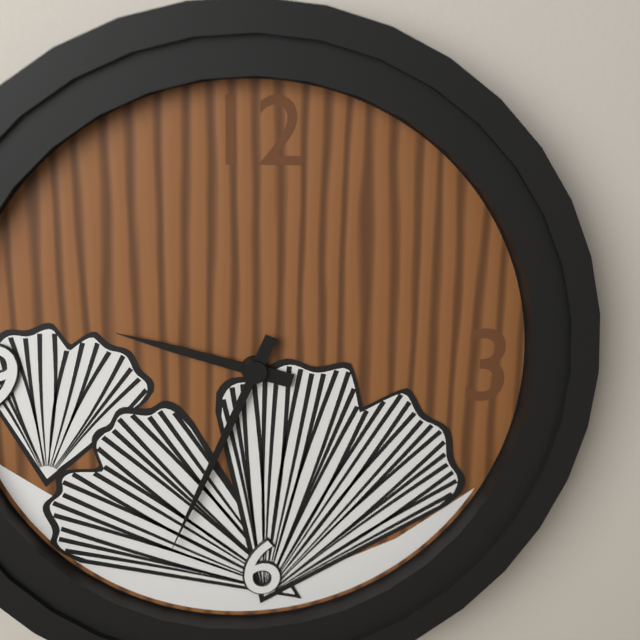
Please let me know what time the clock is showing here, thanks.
9:34
